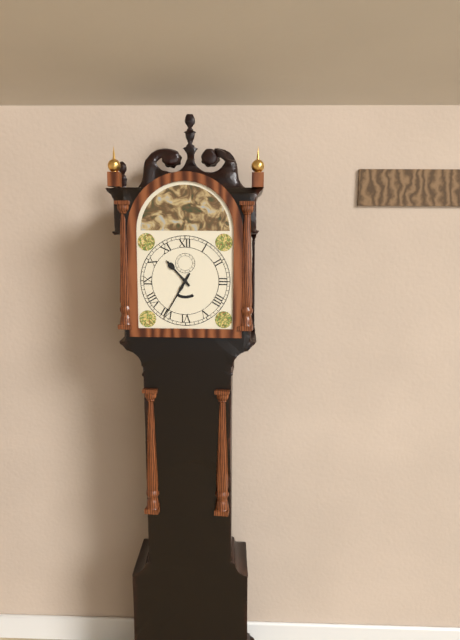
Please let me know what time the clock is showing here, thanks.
10:35
